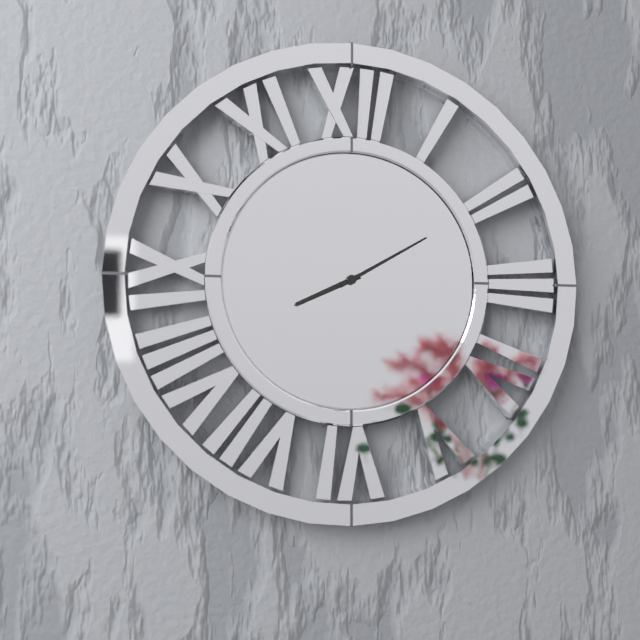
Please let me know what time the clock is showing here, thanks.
8:10
